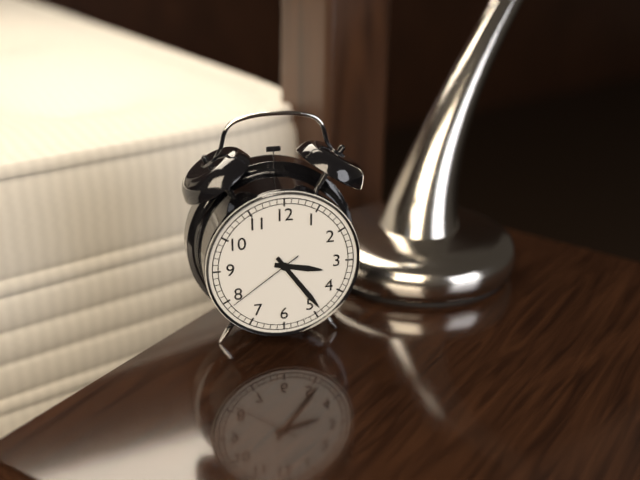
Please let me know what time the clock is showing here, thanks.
3:24:39
